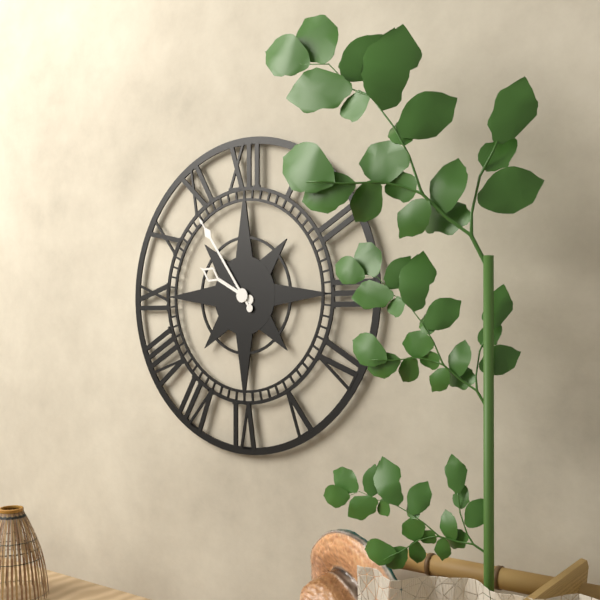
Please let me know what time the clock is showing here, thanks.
9:54
